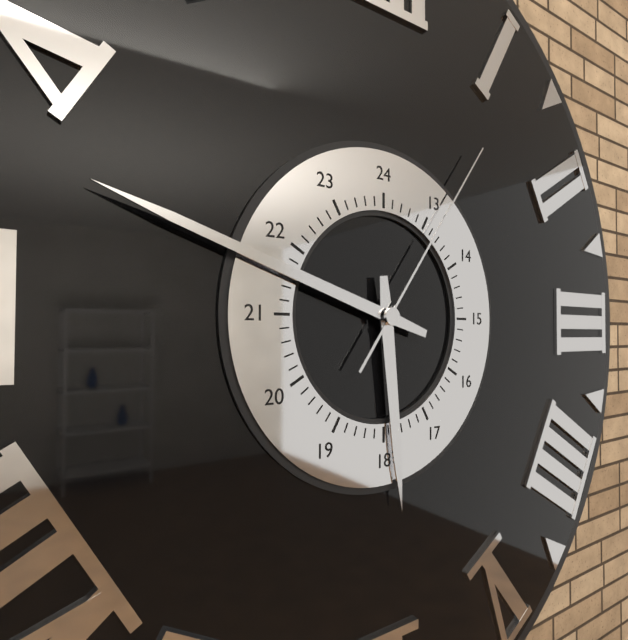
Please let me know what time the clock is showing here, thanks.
5:48:06
